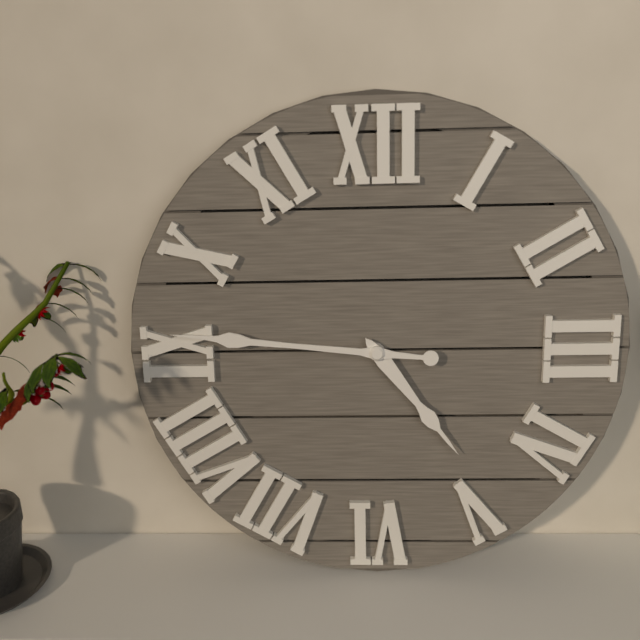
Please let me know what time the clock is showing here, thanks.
4:46
